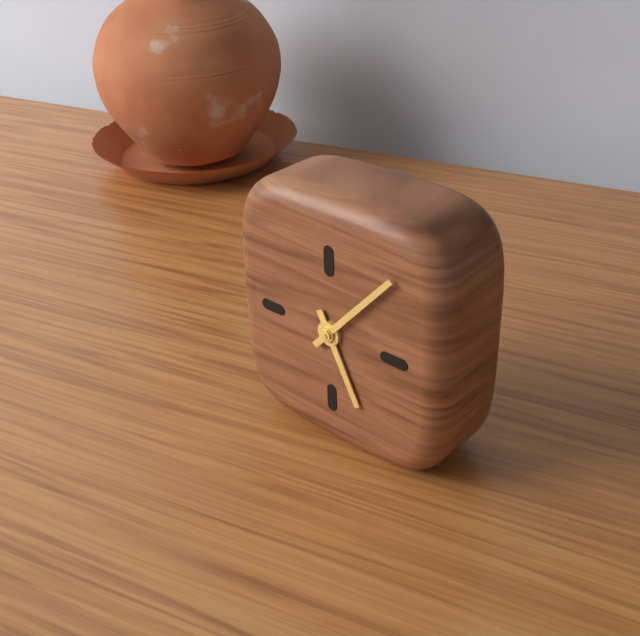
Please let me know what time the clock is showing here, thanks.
5:07
